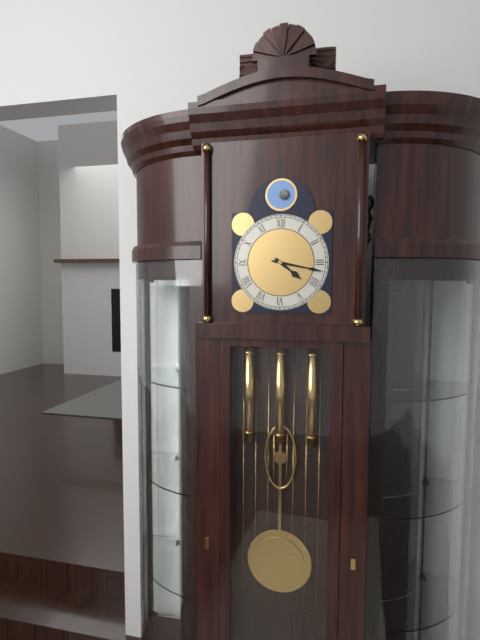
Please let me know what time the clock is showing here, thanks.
4:17
